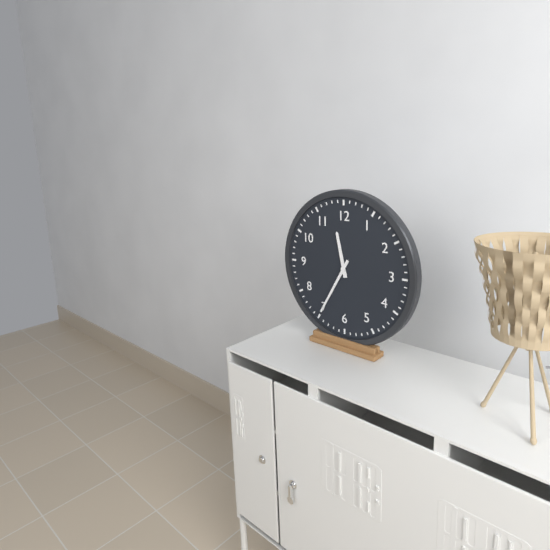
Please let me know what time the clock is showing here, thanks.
11:35
